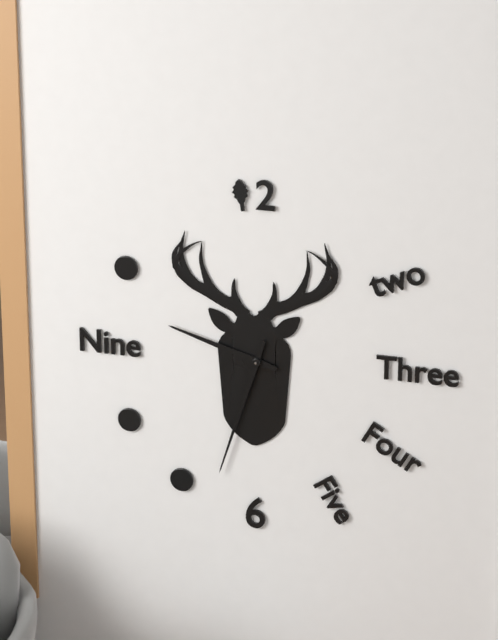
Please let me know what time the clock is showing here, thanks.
9:33
